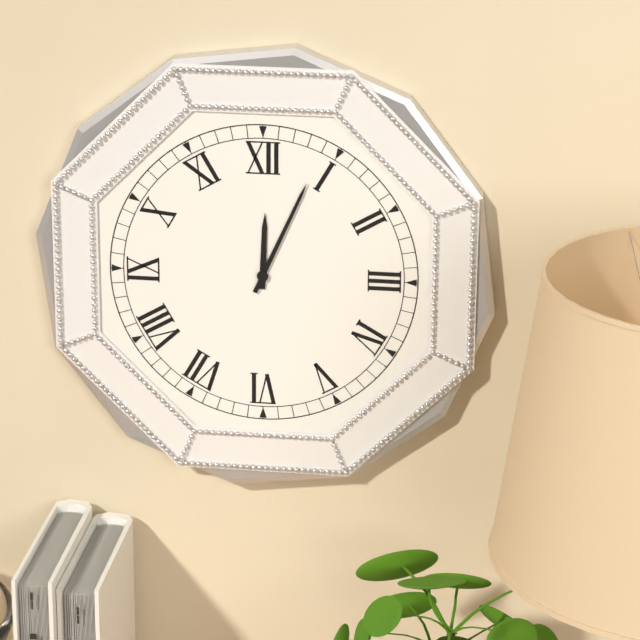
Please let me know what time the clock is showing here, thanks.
12:04
